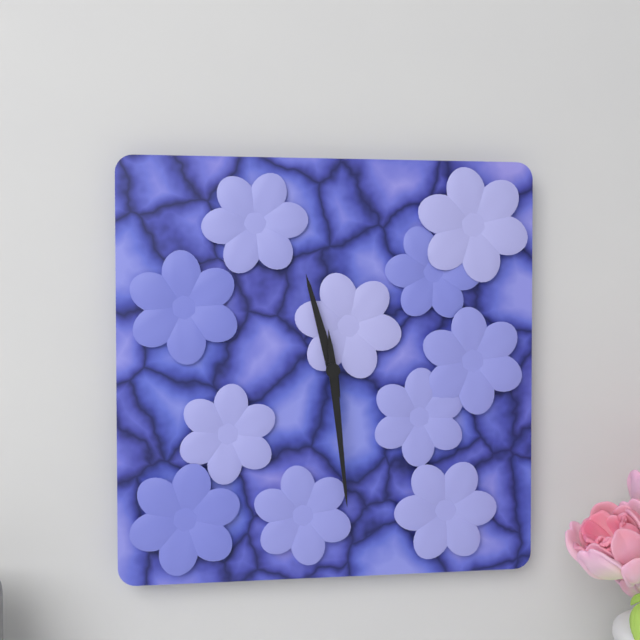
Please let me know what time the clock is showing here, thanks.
11:29
